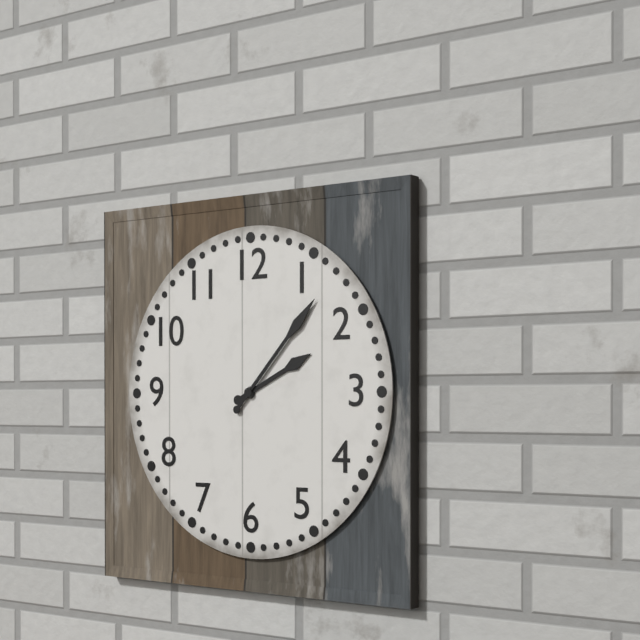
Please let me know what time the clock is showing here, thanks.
2:07
